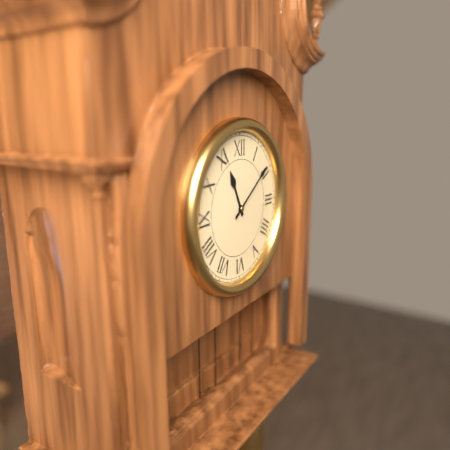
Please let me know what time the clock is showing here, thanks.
11:09
